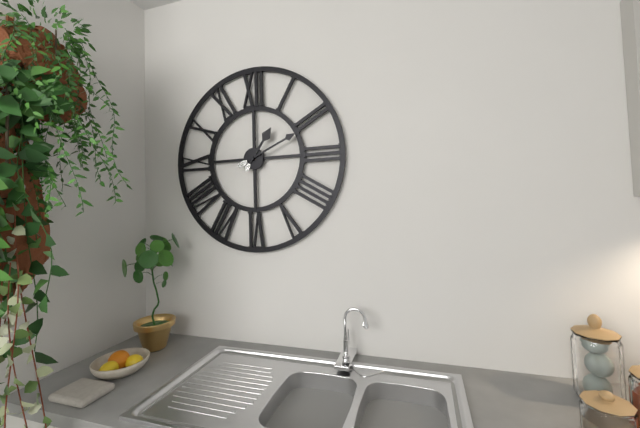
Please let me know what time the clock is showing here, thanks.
1:11
